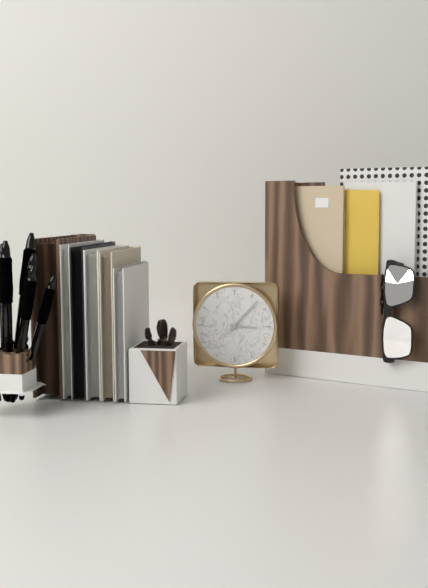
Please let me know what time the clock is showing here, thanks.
3:07
